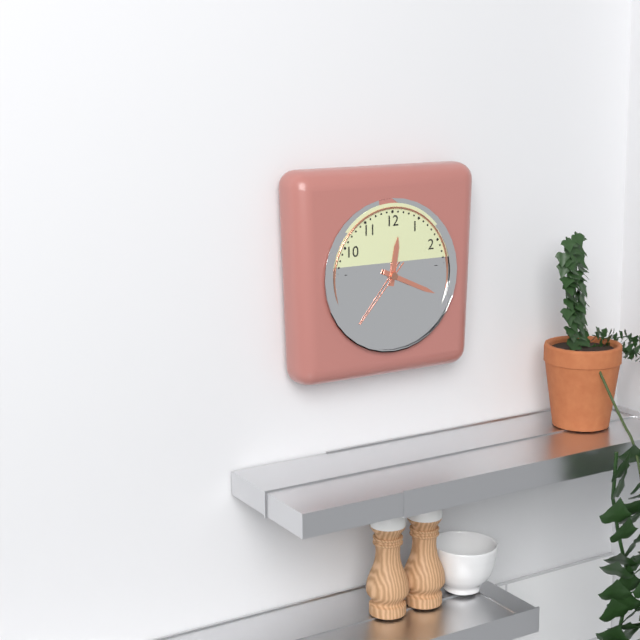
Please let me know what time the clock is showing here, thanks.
12:19:37
